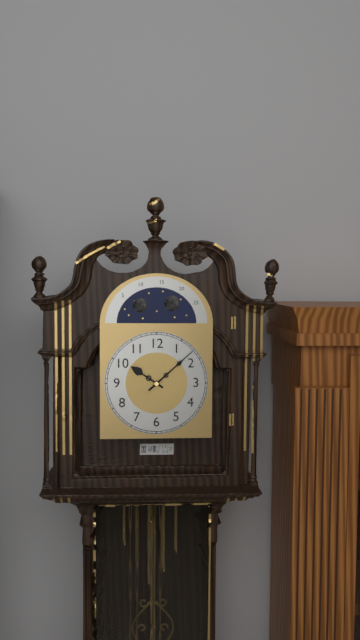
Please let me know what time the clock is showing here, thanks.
10:08
